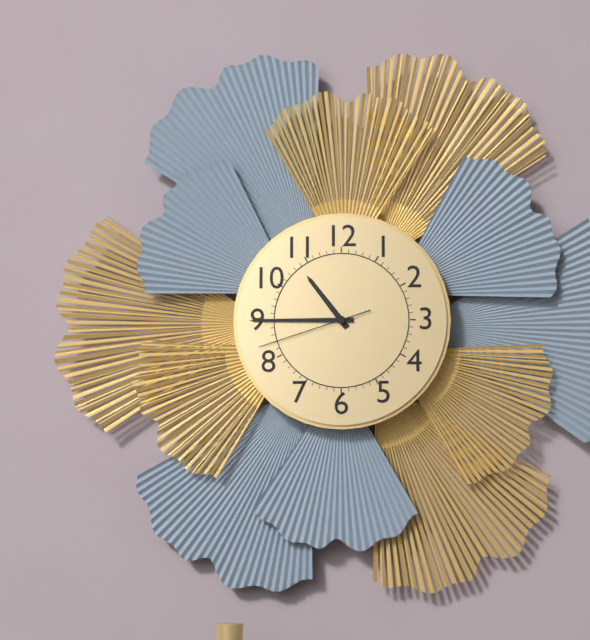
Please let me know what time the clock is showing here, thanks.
10:45:42
